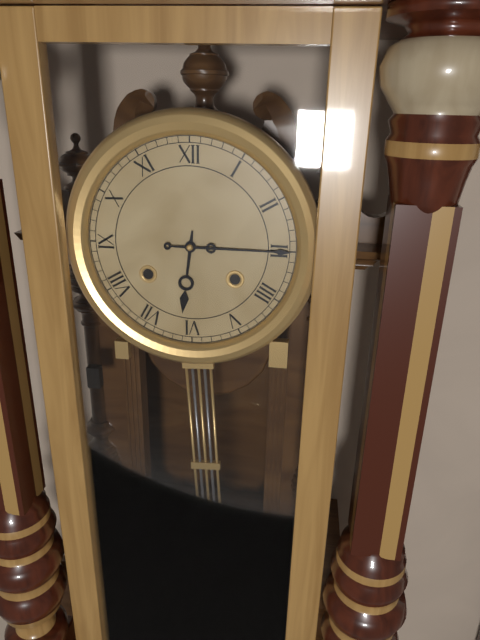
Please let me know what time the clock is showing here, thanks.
6:15
